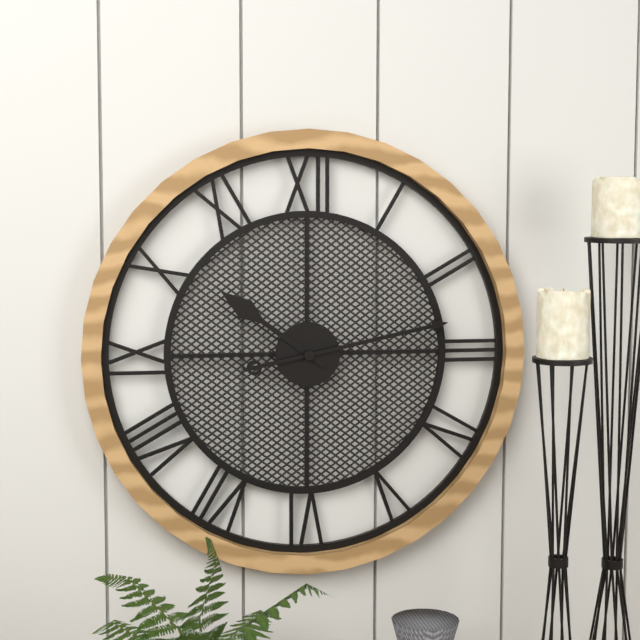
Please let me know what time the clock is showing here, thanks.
10:13
